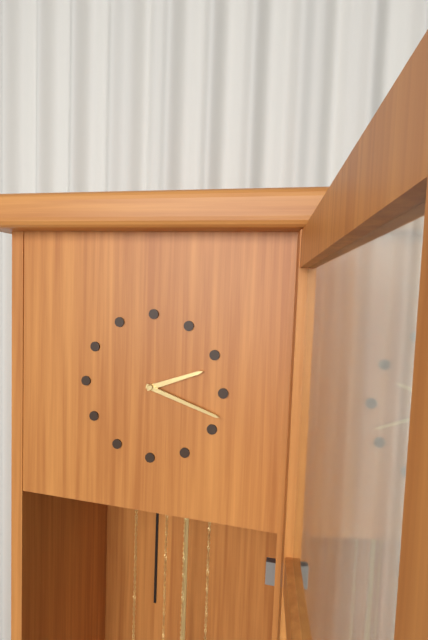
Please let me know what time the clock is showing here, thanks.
2:18
